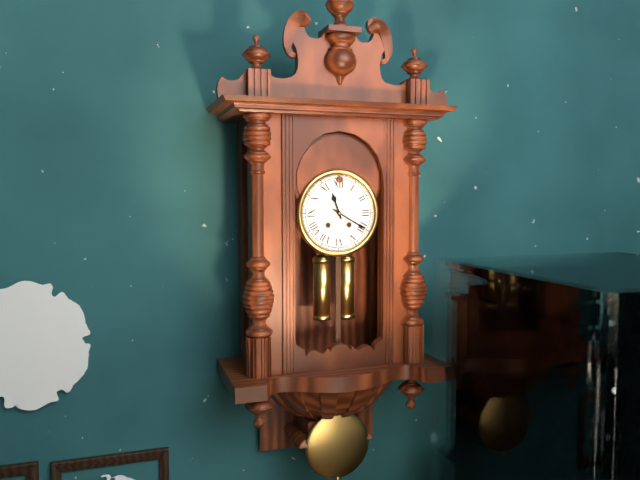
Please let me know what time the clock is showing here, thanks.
11:20
